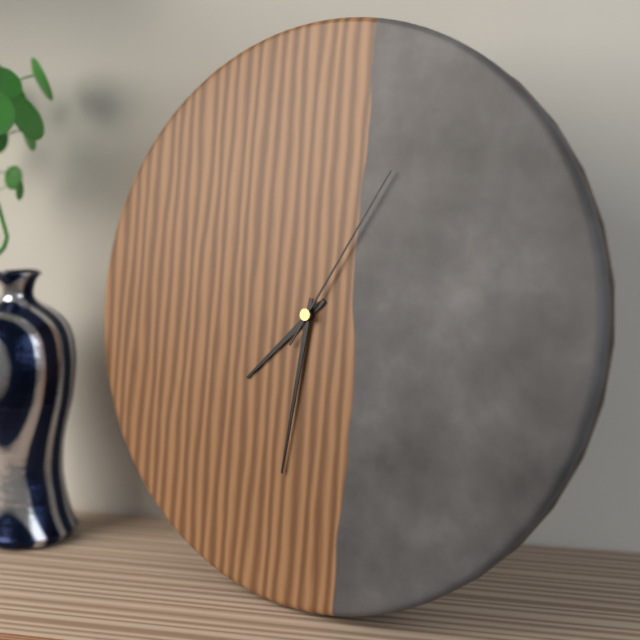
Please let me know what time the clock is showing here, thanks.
7:31:05
